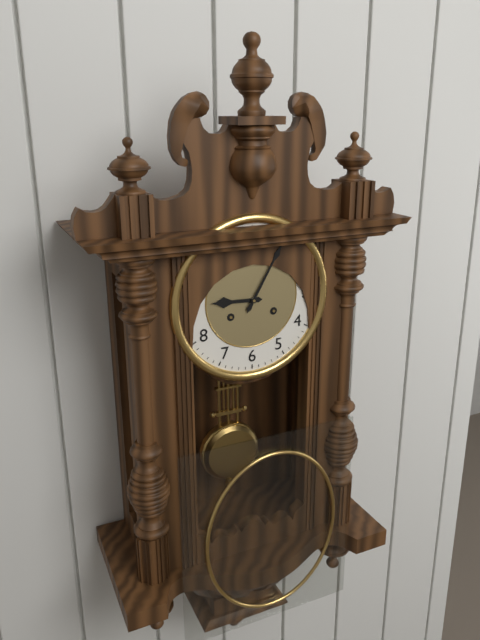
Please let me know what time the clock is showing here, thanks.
9:05
